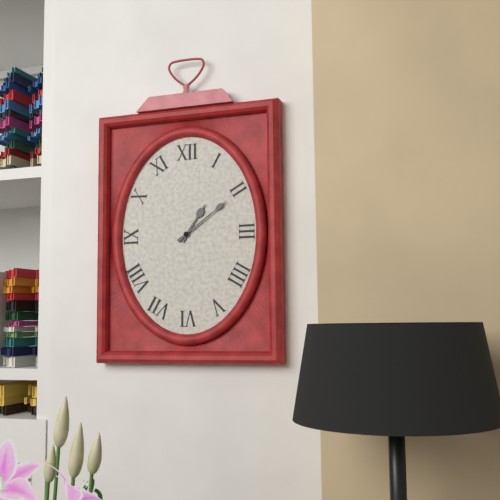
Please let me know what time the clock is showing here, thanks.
1:09
